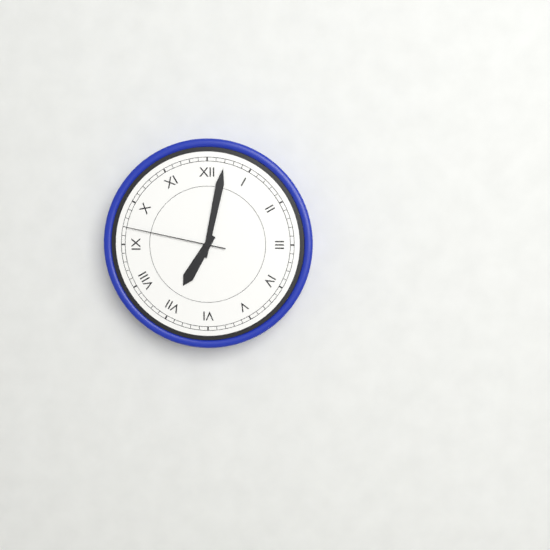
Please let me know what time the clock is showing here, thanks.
7:02:47
